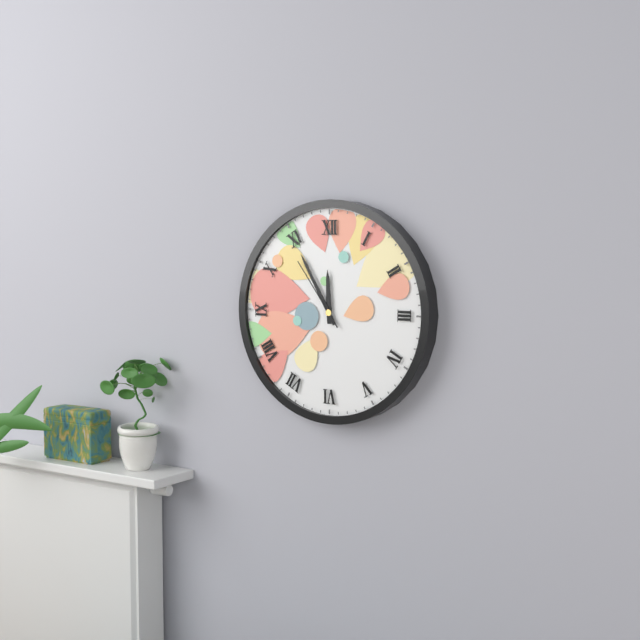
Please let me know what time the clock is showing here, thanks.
11:55:54
